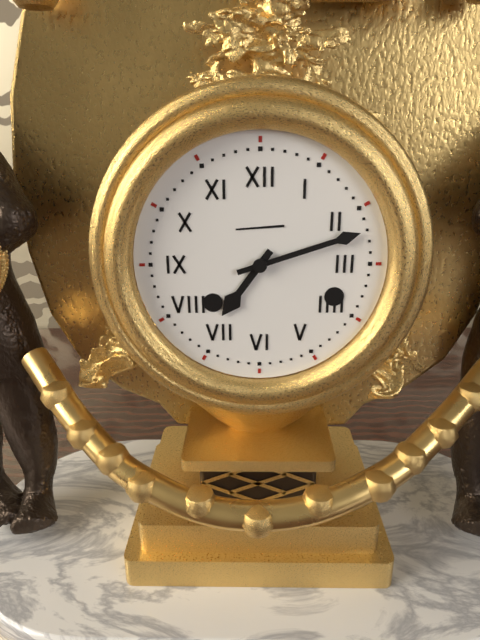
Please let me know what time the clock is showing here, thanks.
7:12
